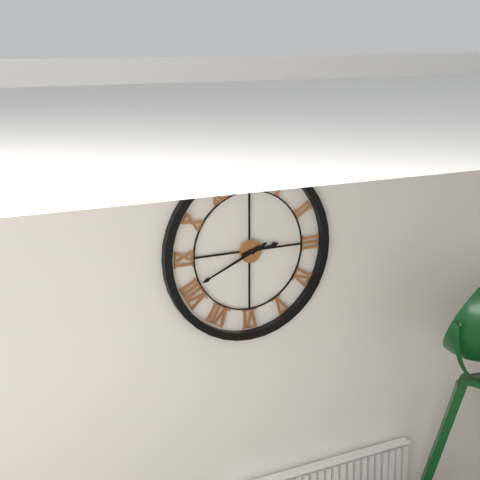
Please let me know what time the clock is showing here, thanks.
2:41
